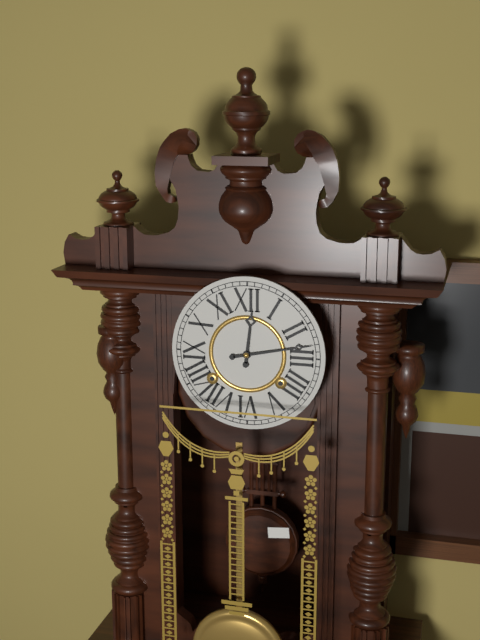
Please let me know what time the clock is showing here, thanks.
12:13
